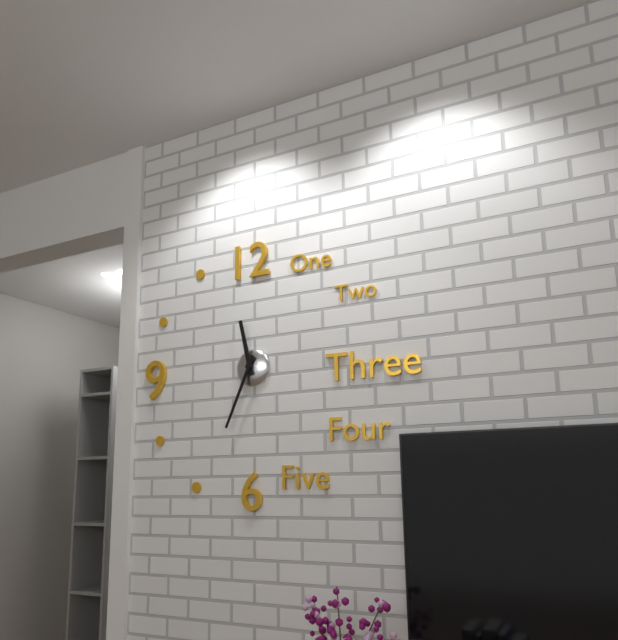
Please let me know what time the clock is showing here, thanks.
11:34
